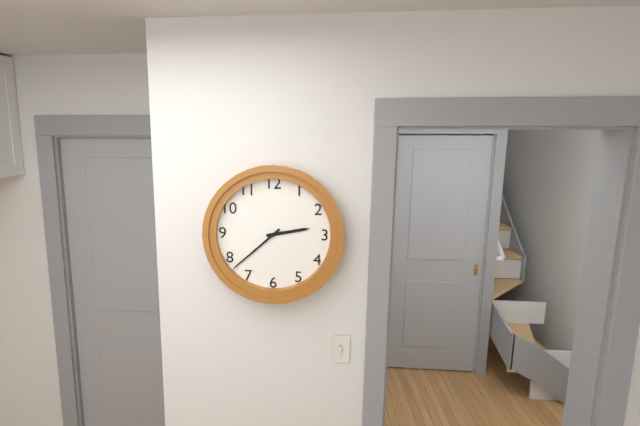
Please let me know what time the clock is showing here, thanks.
2:38
